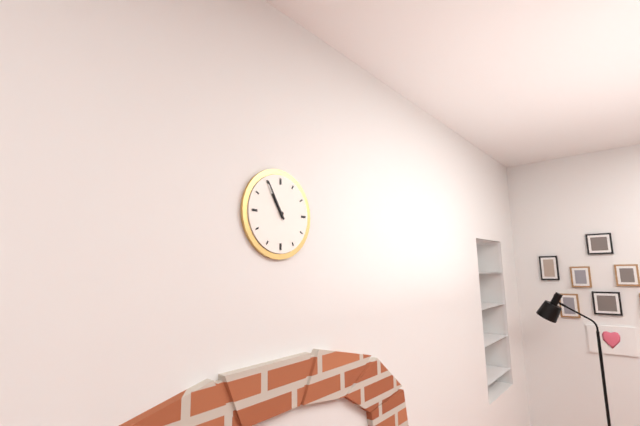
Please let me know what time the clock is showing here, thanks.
10:55
